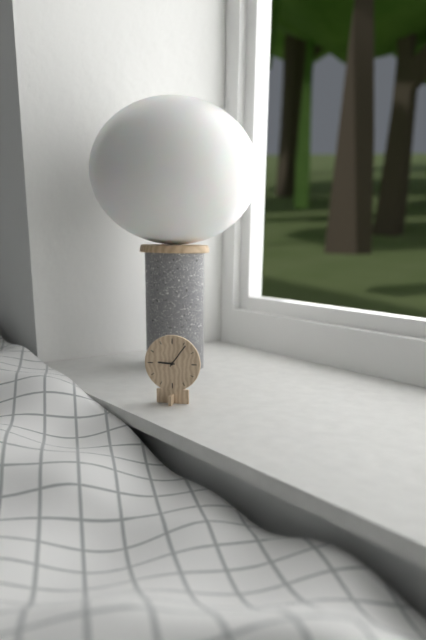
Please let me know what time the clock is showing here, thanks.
9:06
